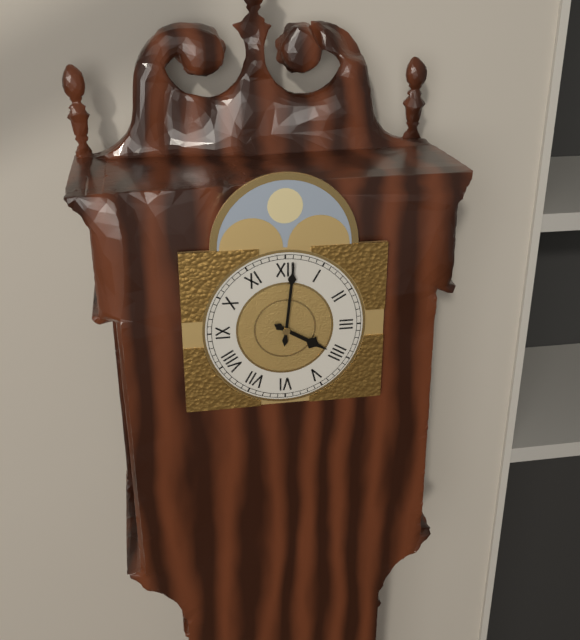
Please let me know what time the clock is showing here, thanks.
4:01
